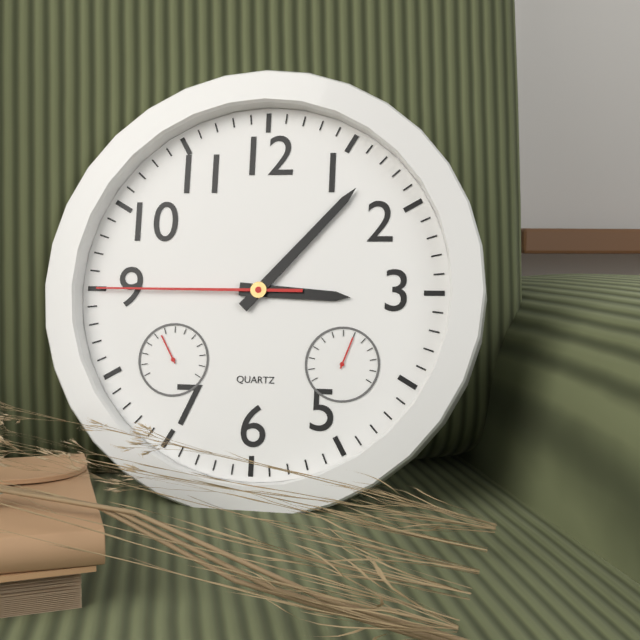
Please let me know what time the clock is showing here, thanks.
3:07:45
